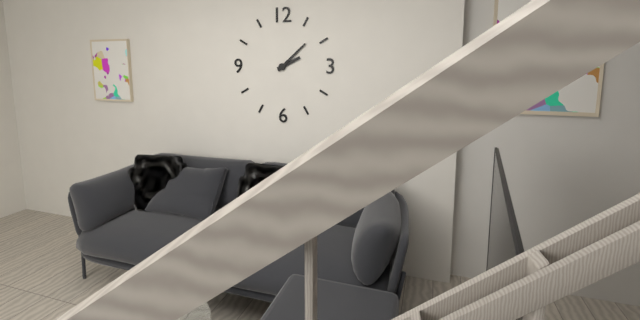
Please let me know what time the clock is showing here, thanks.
2:08
